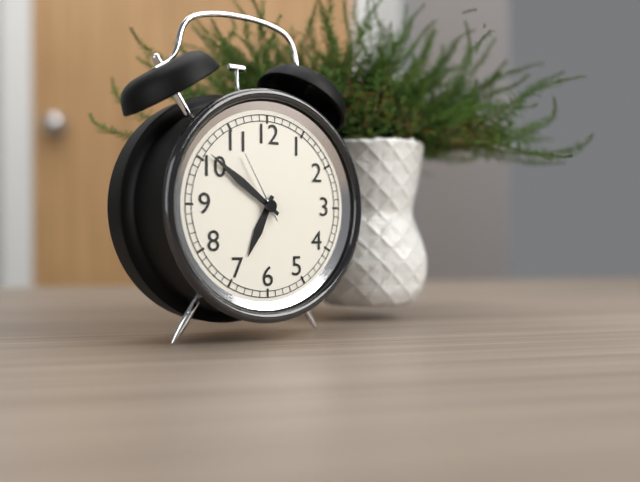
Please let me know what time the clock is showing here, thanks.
6:51:55
